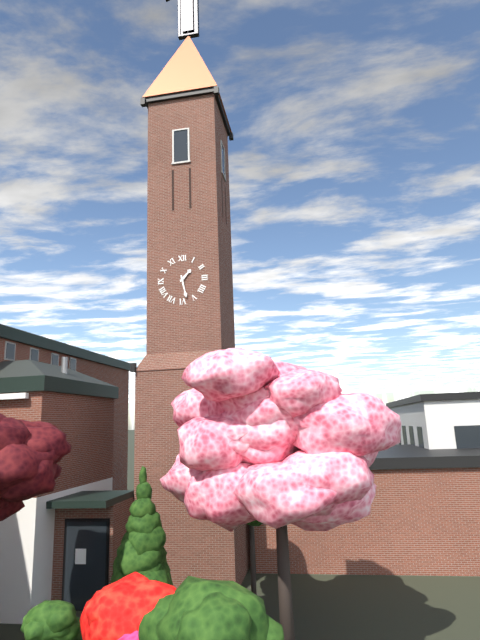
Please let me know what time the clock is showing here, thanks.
1:28
